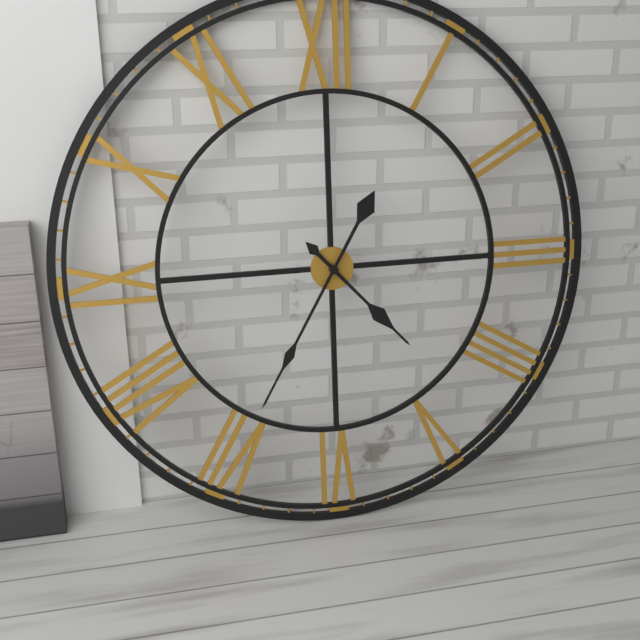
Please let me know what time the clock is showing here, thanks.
4:35
